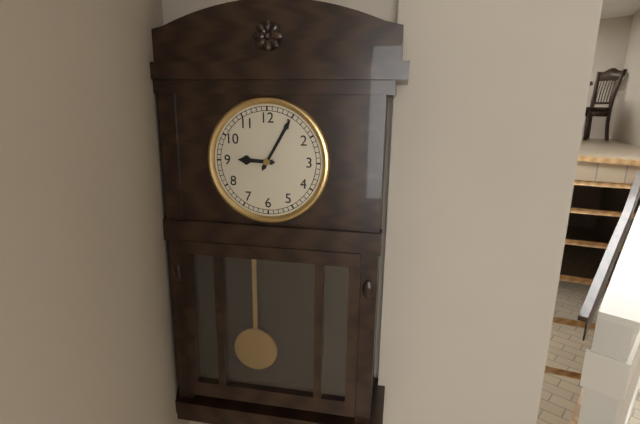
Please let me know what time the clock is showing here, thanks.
9:05
